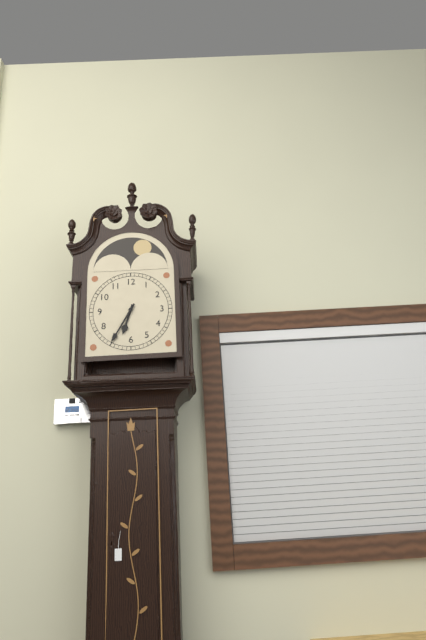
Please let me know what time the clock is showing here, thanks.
6:35
